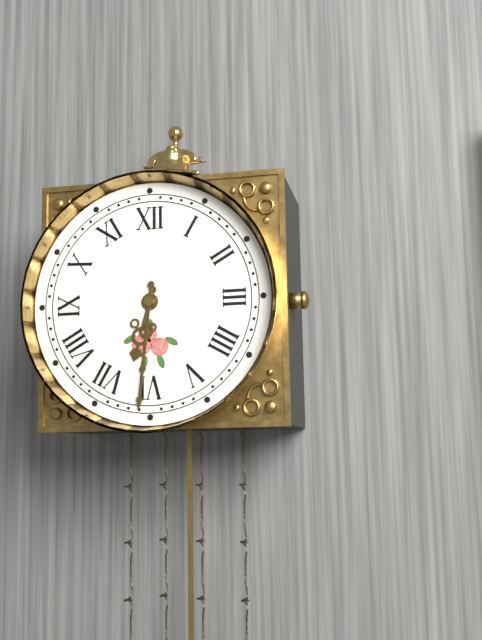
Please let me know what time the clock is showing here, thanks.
6:31
